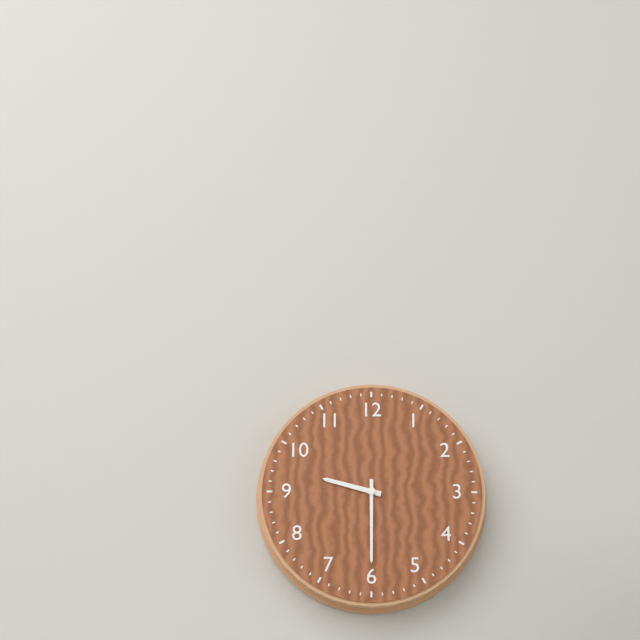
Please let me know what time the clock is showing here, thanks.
9:30
